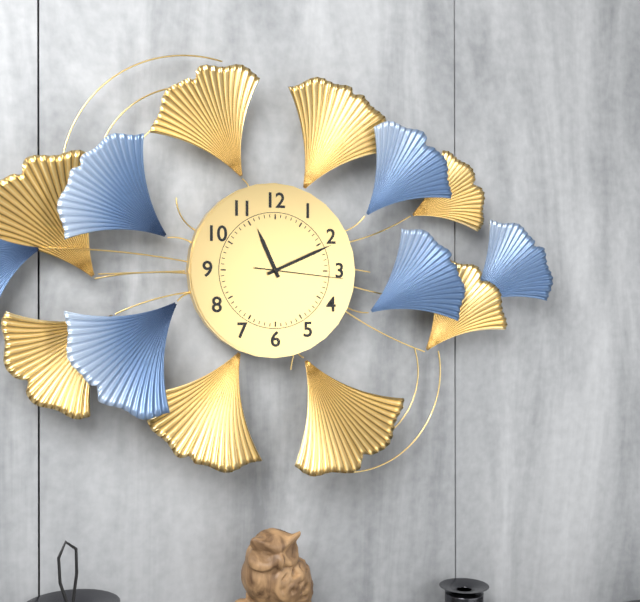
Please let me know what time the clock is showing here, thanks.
11:11:16
